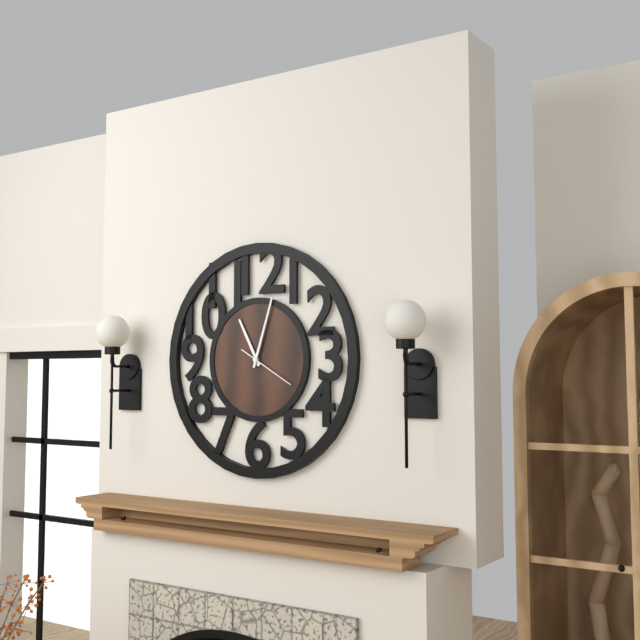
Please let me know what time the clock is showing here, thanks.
11:03:20
